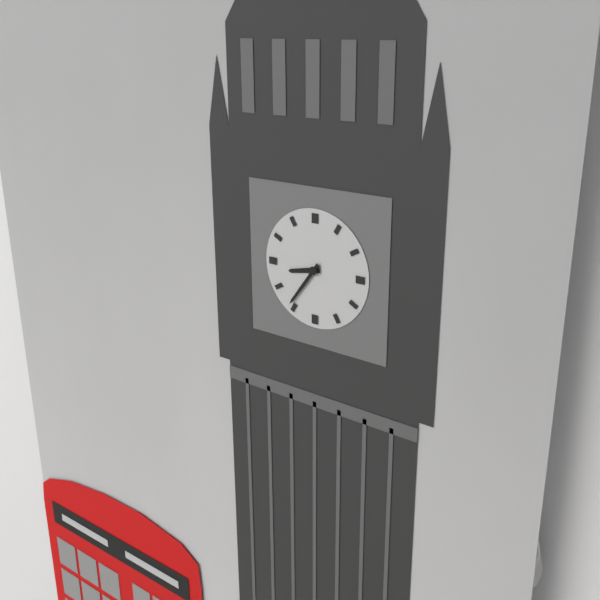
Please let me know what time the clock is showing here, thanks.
8:36
